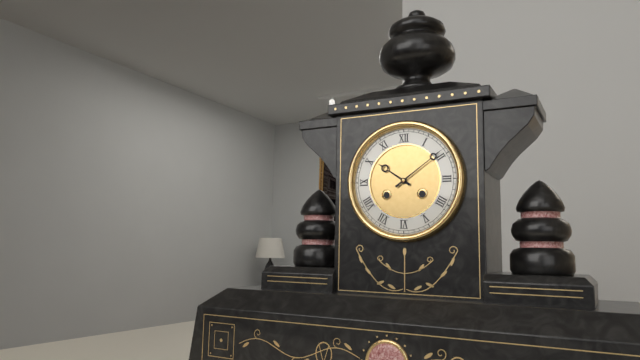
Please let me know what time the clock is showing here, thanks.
10:09
